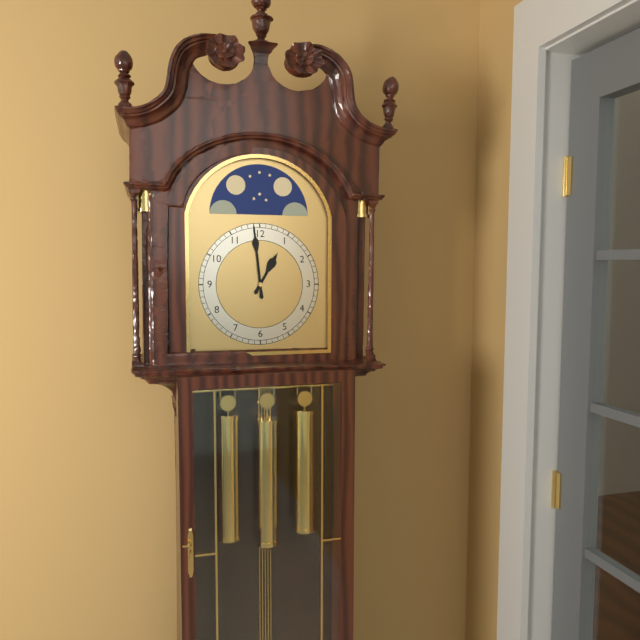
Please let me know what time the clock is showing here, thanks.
12:59
